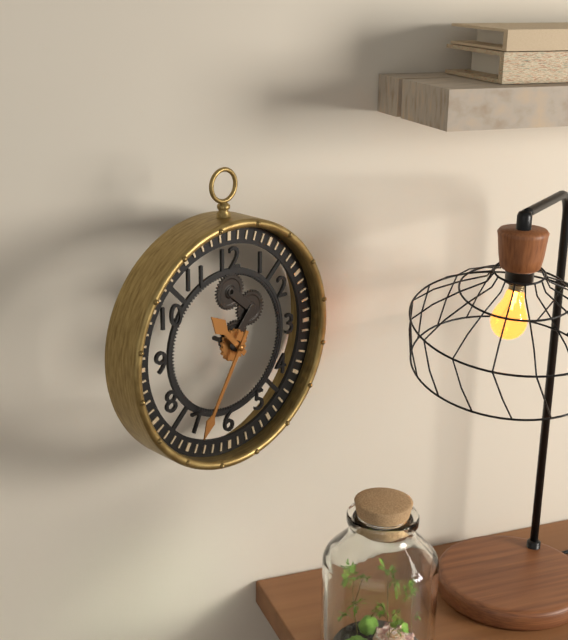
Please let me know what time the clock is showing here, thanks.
10:35
